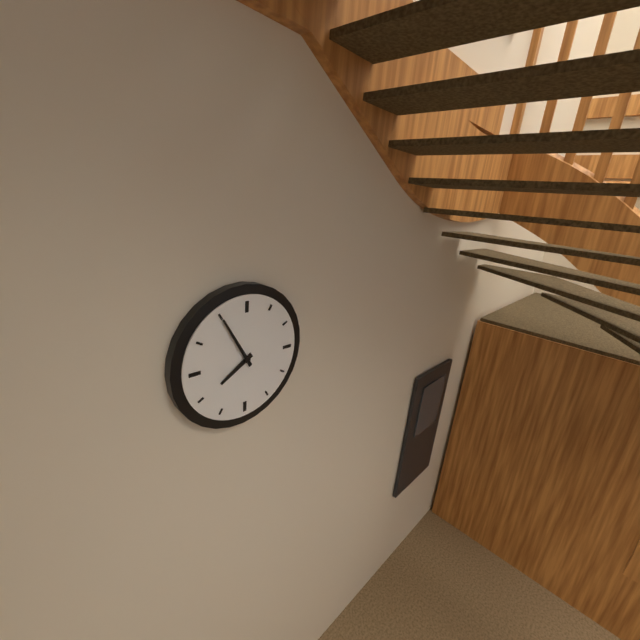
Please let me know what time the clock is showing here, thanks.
7:55
